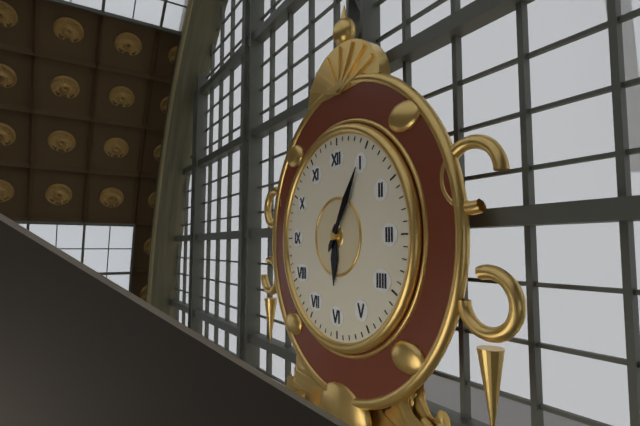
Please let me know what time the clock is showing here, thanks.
6:05
